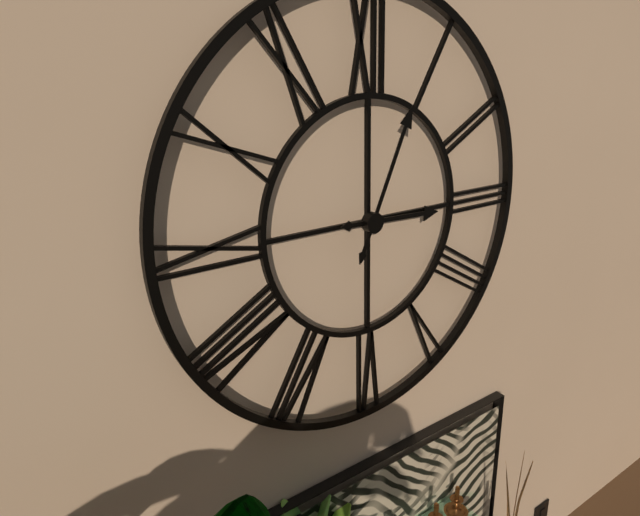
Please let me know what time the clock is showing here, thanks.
3:04
